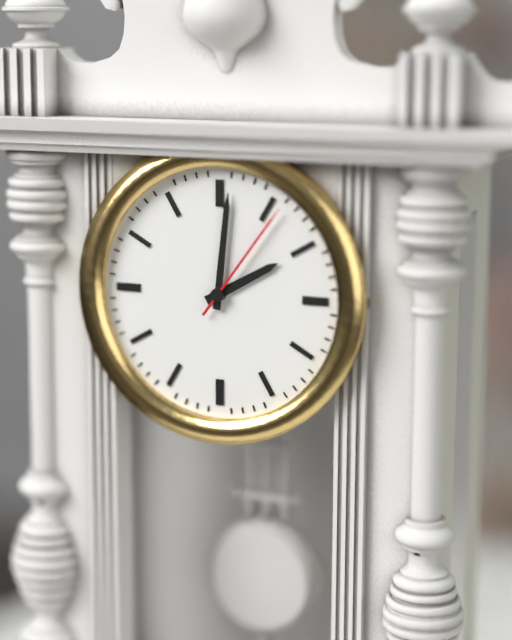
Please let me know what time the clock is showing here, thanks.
2:01:06
